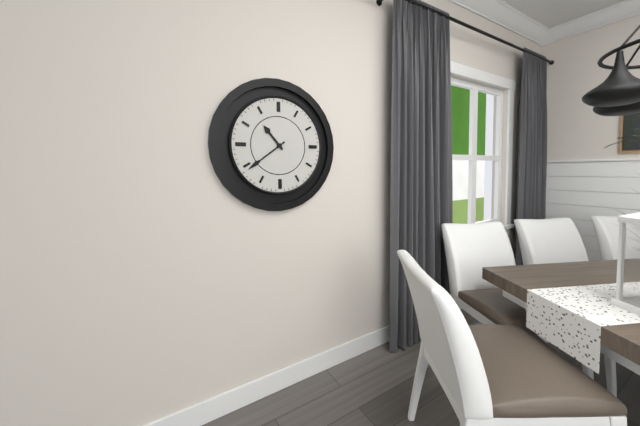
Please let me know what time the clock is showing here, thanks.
10:39
